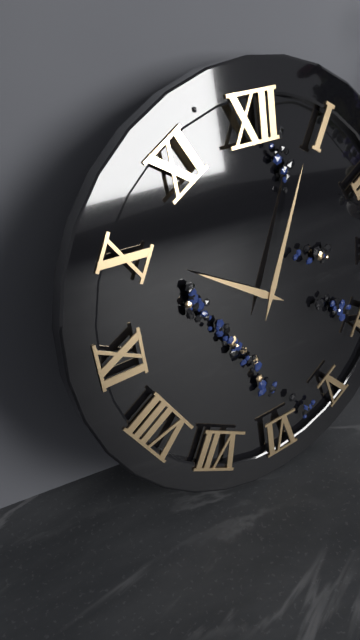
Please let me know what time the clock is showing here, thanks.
10:04
